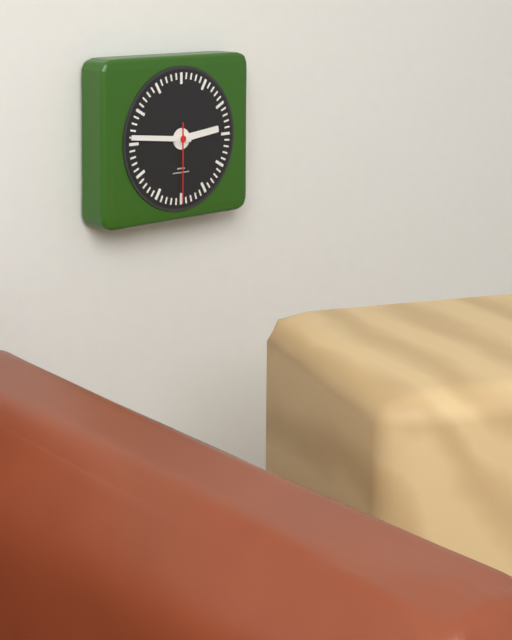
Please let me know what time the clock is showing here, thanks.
2:46:30
